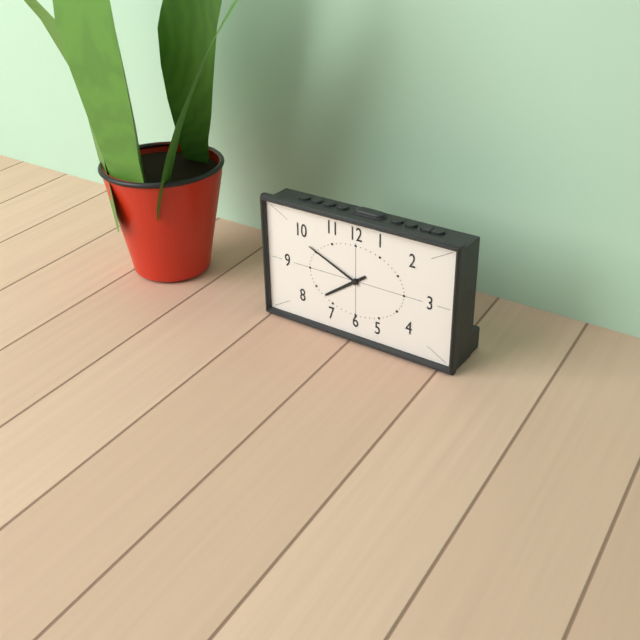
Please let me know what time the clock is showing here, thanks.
7:49
